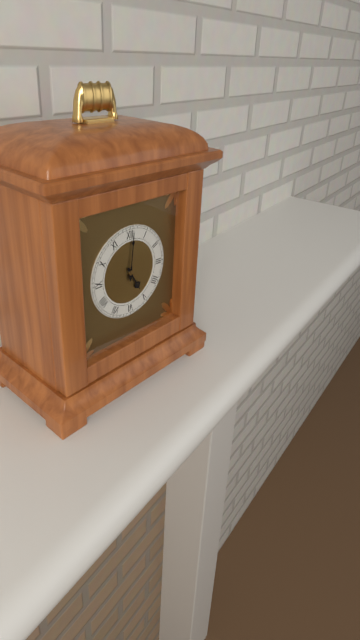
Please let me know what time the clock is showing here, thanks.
5:01
